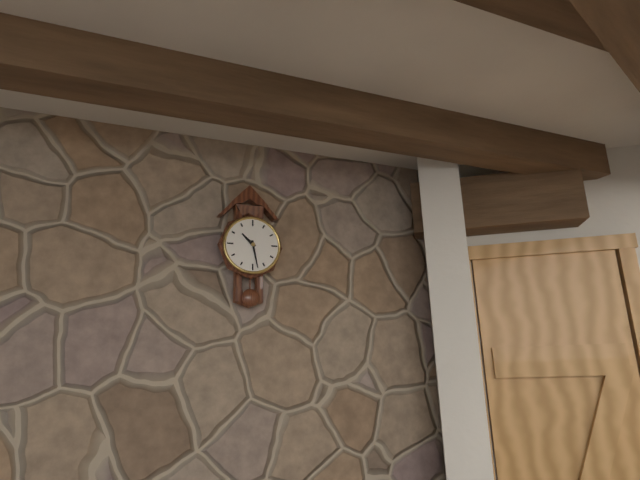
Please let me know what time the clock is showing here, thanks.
10:28
